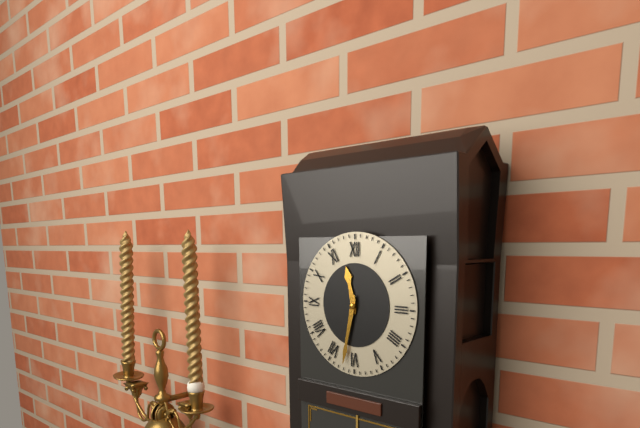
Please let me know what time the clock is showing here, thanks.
11:32
